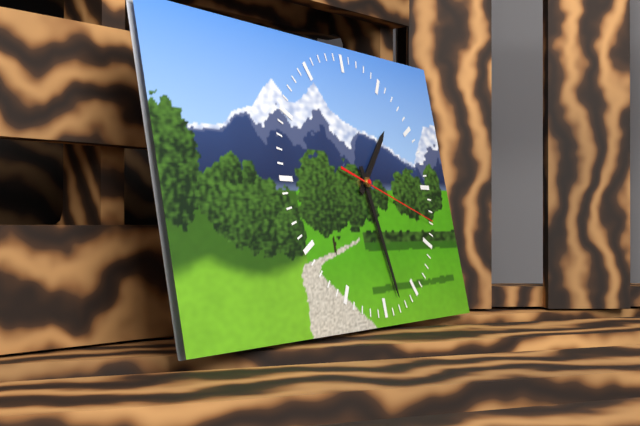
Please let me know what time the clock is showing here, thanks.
1:28:18
